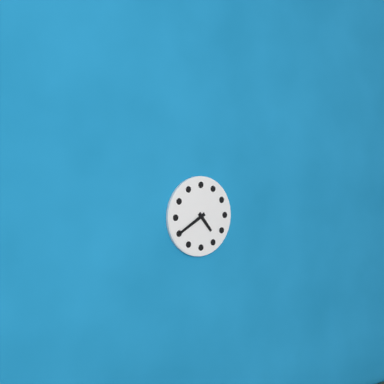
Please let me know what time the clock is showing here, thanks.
4:40
